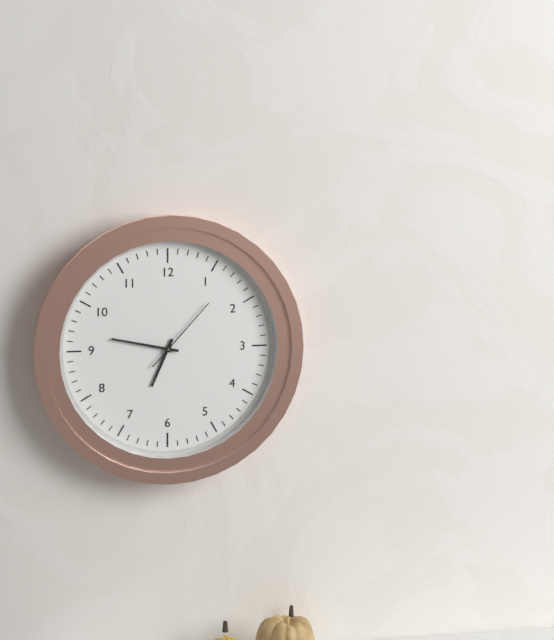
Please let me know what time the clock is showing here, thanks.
6:47:07
